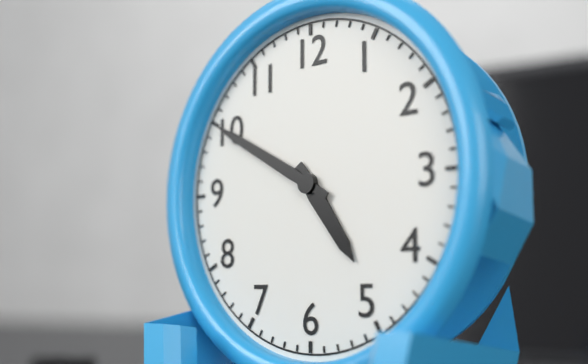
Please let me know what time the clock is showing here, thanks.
4:50
